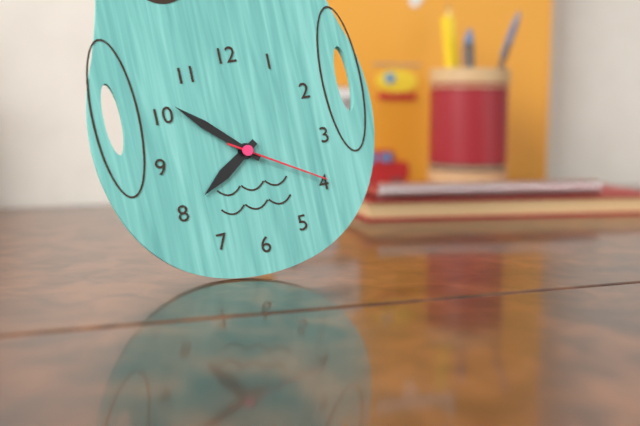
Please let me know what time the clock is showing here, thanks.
7:52:20
